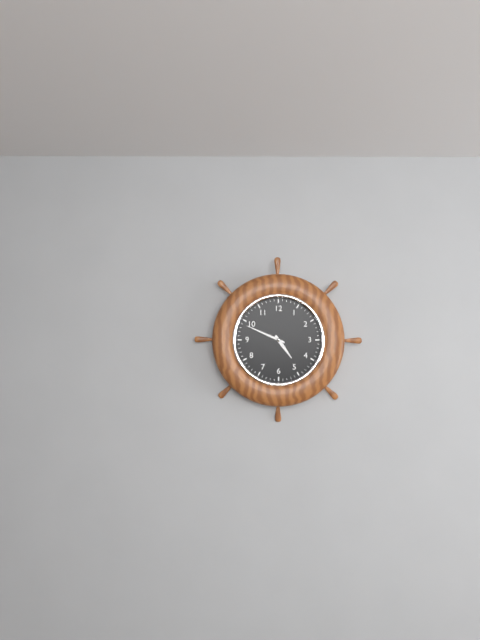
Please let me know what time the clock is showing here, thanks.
4:49
